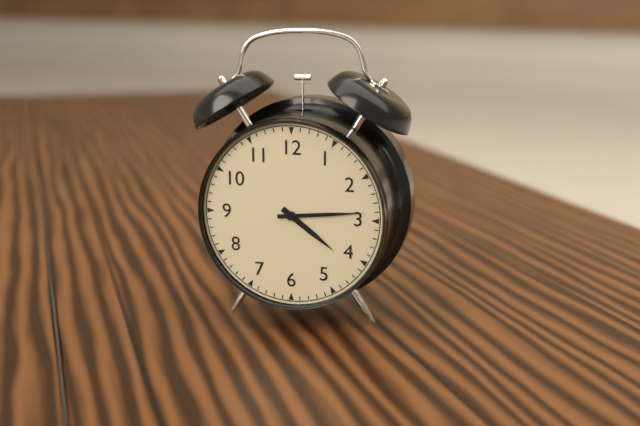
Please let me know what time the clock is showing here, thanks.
4:14
